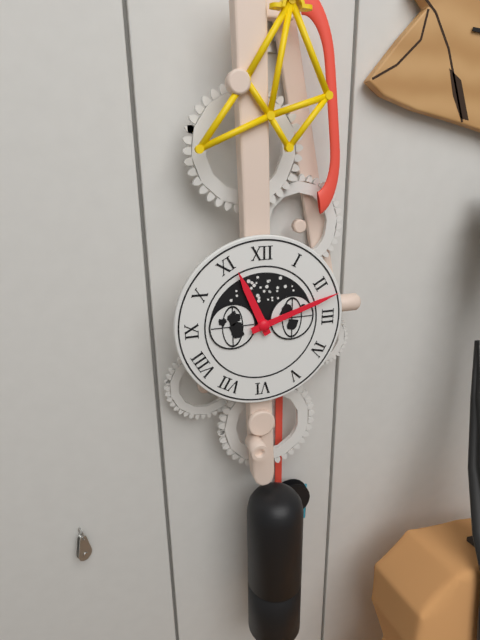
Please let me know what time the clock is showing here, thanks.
11:12
